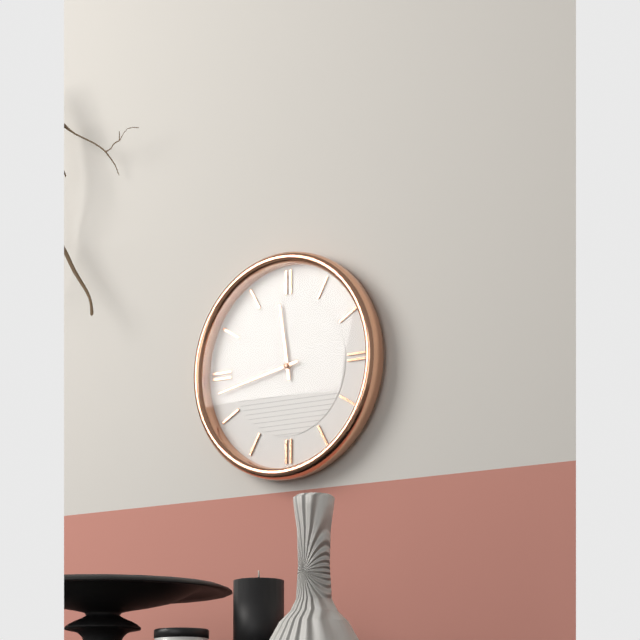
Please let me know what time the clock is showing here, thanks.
11:43
